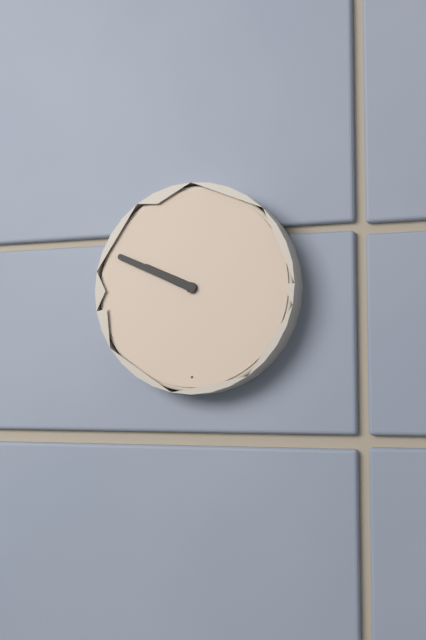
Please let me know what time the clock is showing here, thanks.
9:49
